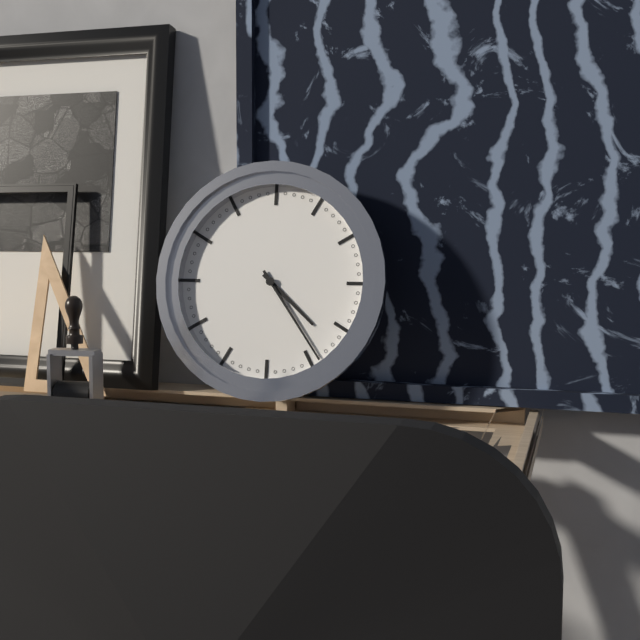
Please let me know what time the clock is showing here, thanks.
4:24
